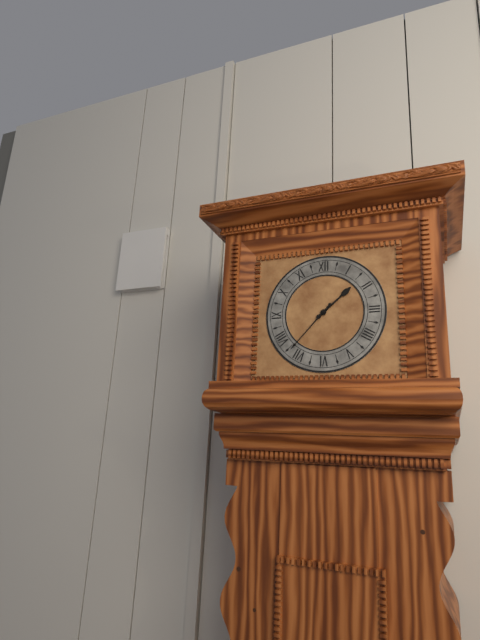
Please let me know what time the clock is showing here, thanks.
1:37
